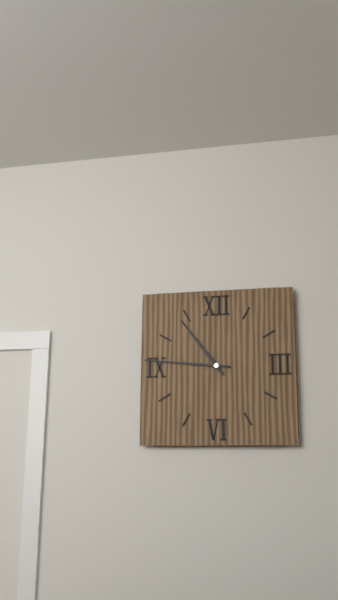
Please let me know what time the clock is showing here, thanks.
10:46
